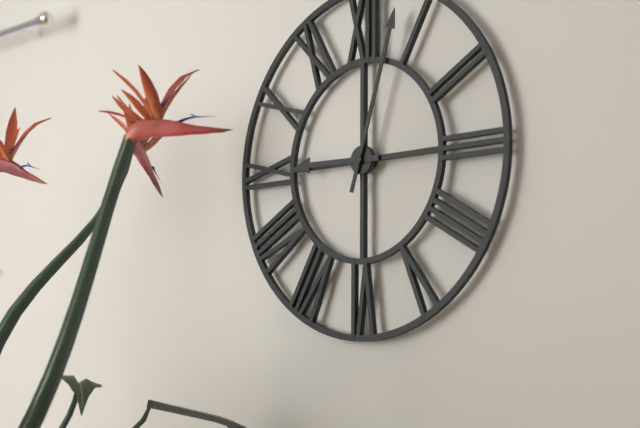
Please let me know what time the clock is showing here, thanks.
9:03
